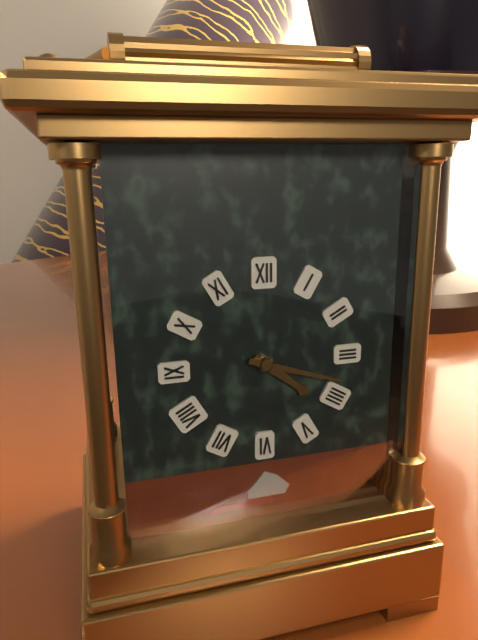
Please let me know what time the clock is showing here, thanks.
4:18
